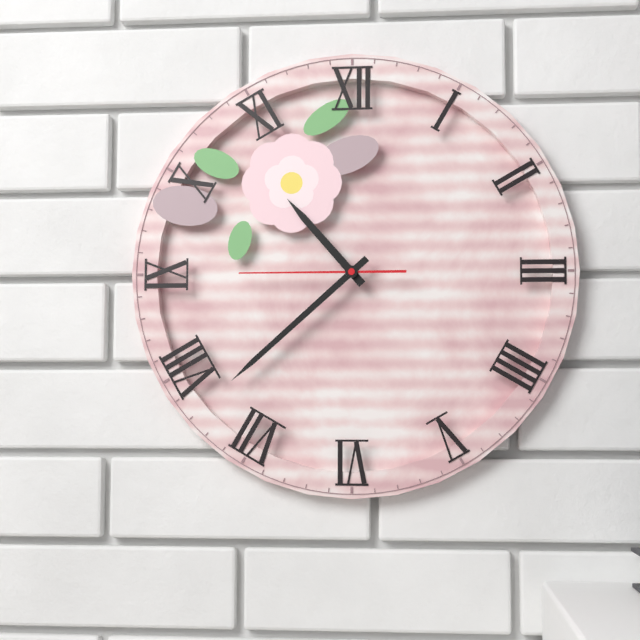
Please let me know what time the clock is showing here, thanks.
10:38:45
